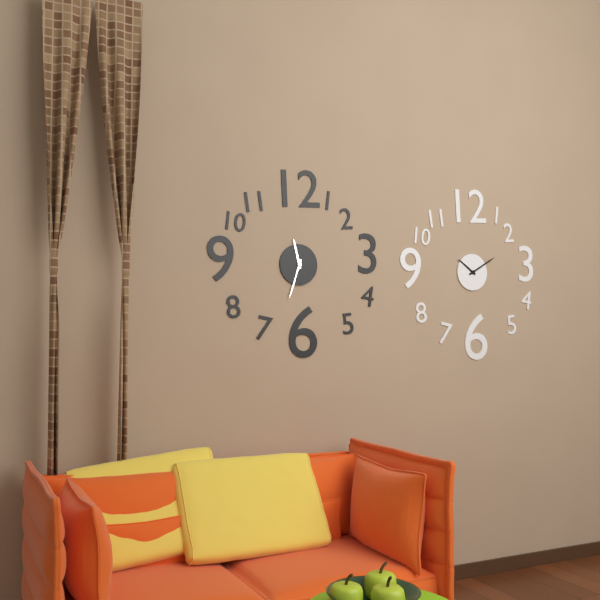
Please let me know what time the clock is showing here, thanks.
11:33
